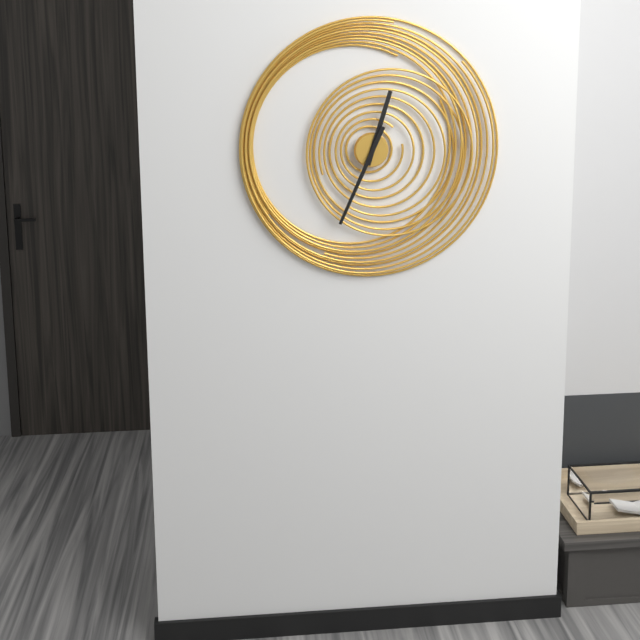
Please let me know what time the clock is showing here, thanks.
12:34
